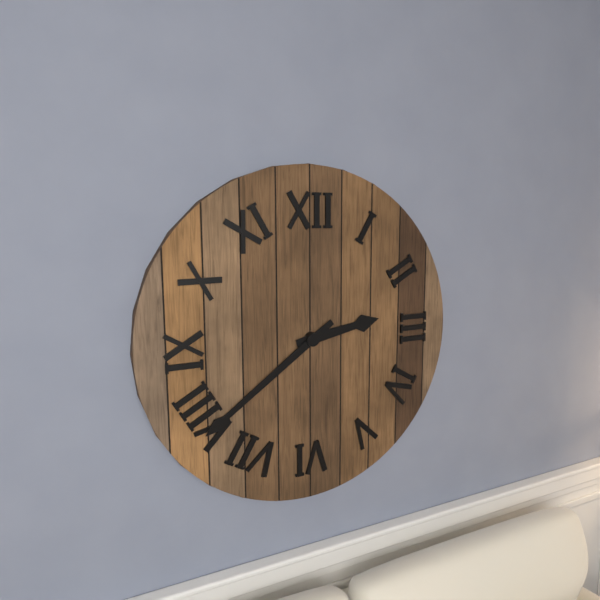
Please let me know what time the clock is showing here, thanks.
2:39
